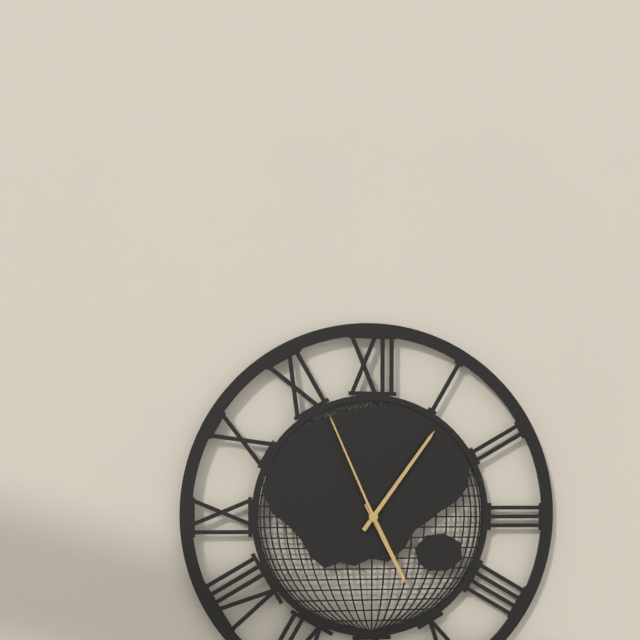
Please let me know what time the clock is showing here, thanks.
5:06:56
